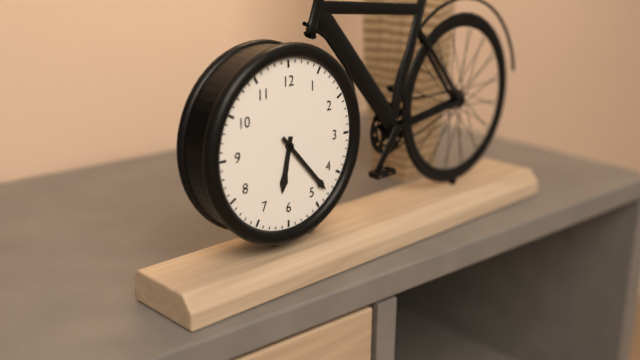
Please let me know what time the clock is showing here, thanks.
6:23
